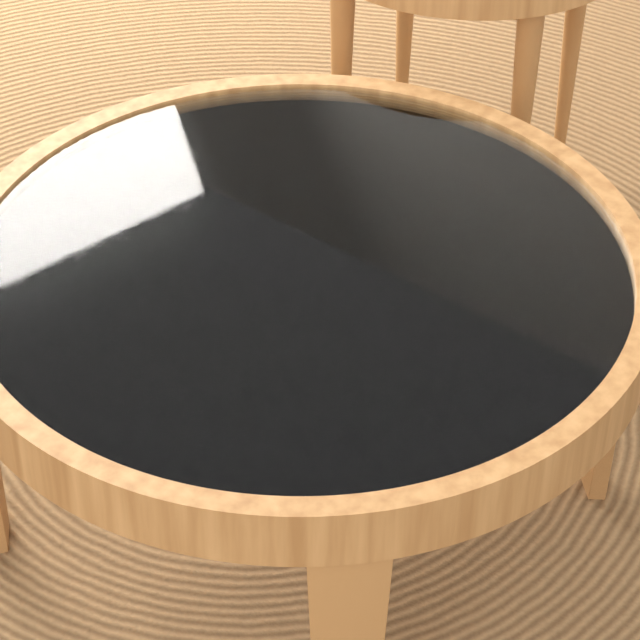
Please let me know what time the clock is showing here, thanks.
11:46
